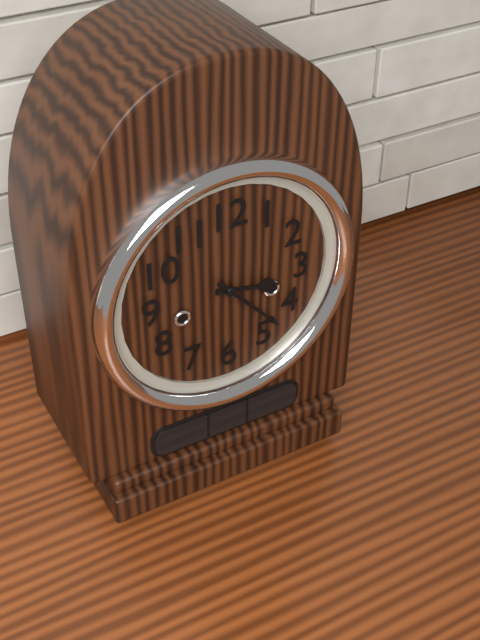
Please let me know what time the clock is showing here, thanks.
3:23
